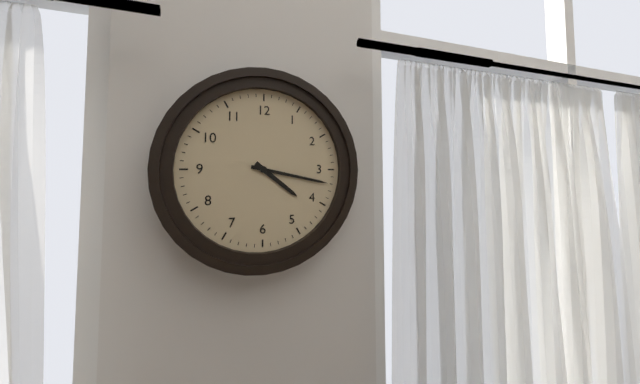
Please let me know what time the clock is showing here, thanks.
4:17
